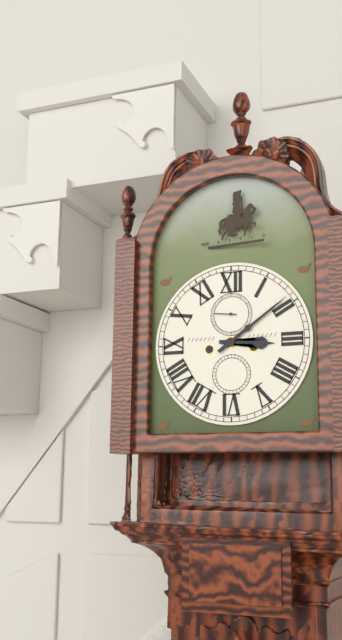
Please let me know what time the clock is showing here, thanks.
3:09
